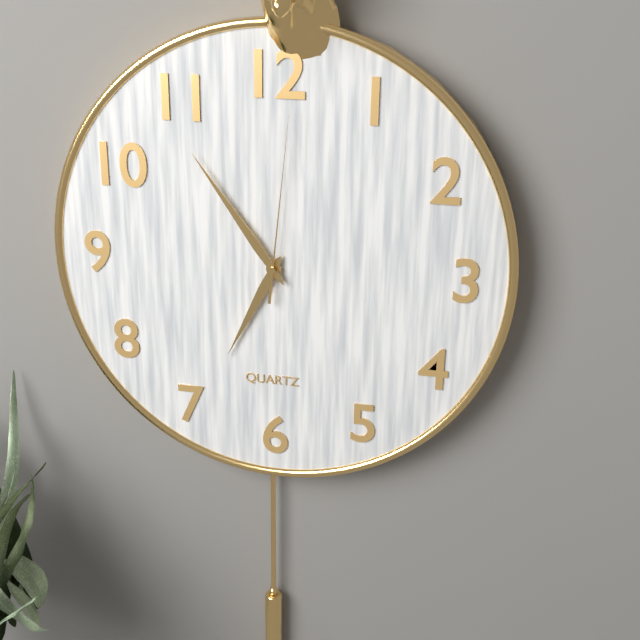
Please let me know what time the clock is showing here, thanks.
6:54:01
